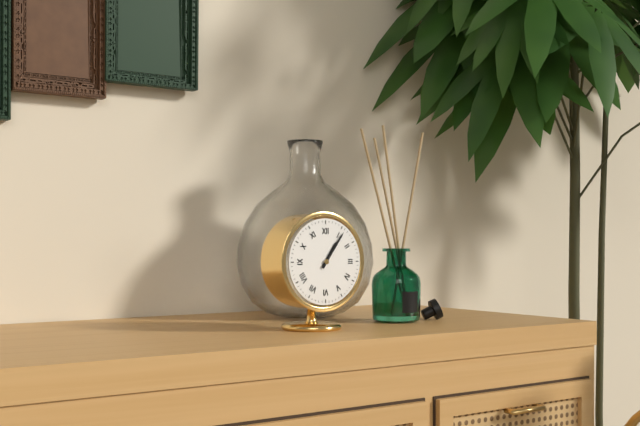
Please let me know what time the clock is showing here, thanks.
1:06
